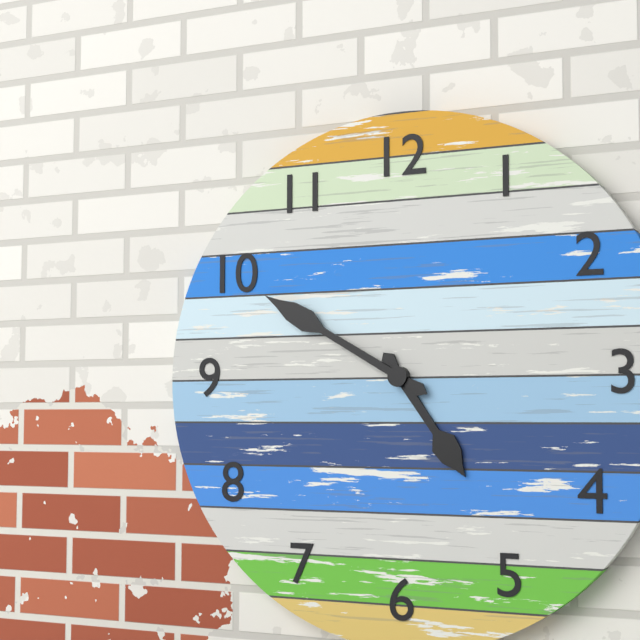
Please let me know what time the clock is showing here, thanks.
4:50
